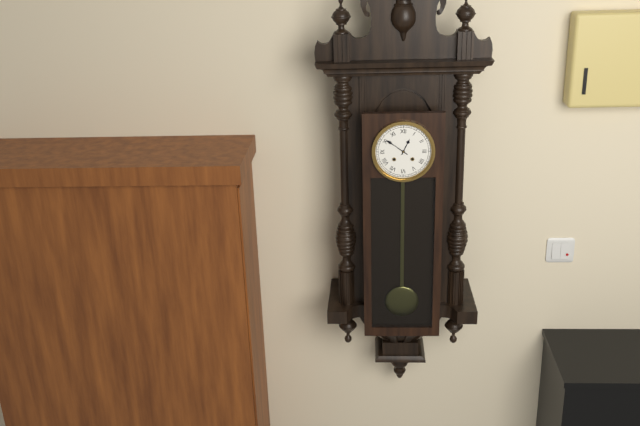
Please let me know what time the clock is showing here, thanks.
12:51
